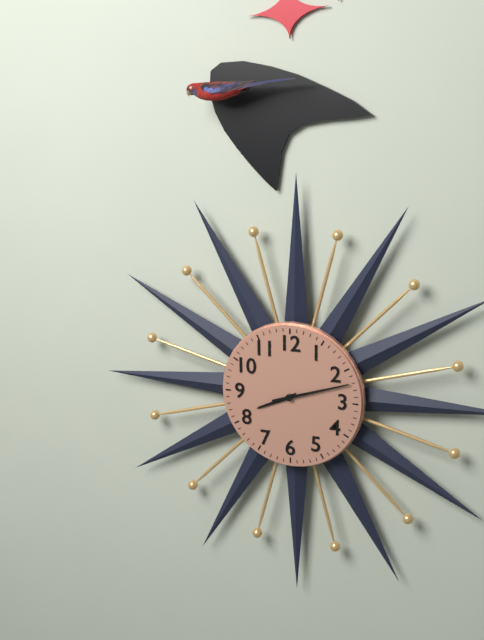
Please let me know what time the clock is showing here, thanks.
8:12
